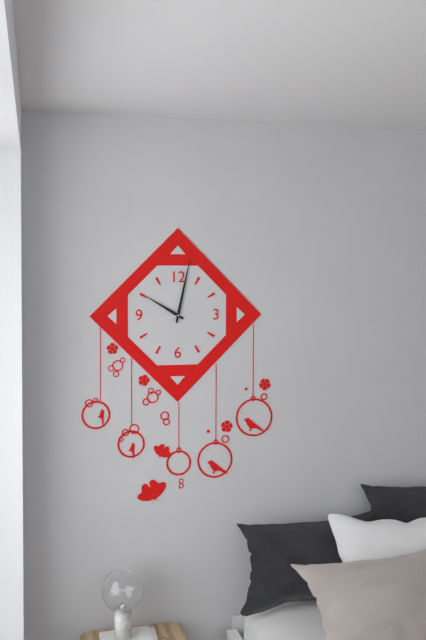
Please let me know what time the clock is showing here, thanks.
10:02
